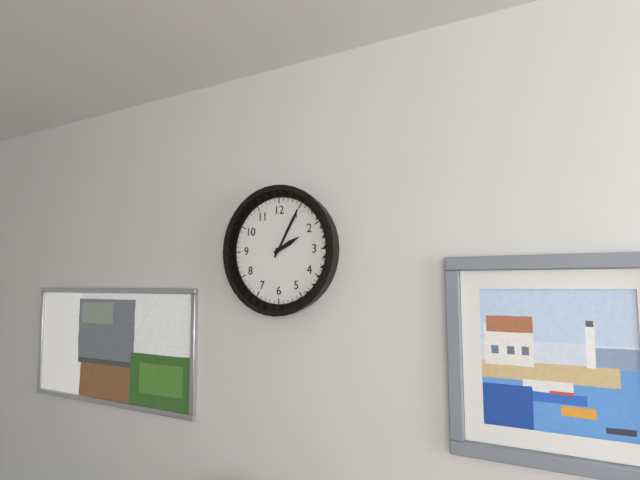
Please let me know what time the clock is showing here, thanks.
2:05
